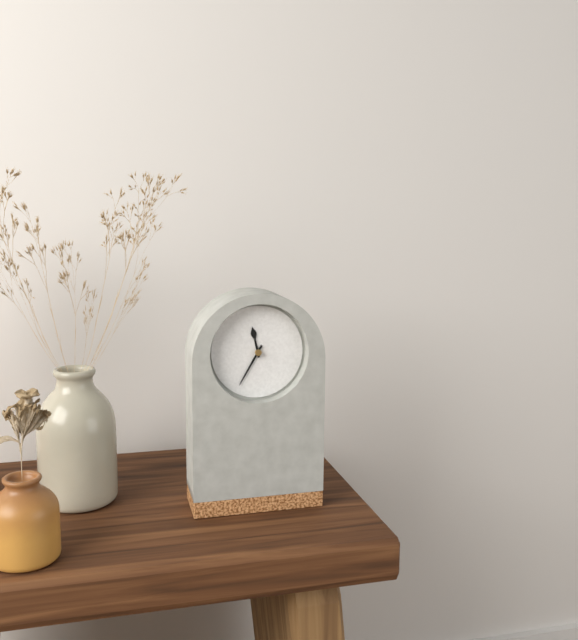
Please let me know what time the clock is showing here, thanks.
11:35
